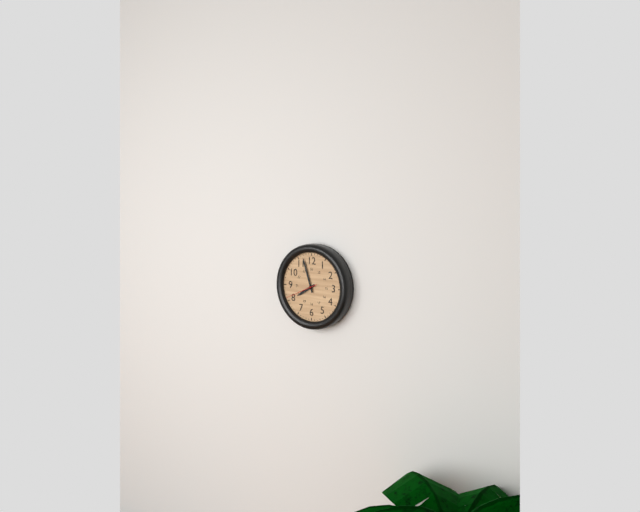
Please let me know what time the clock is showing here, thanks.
7:57
